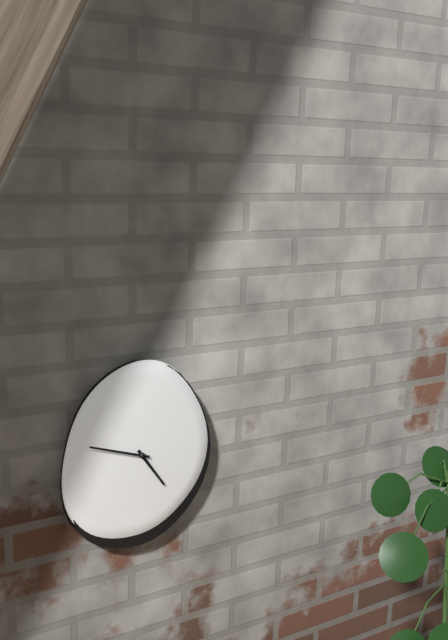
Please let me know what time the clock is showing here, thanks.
4:48
